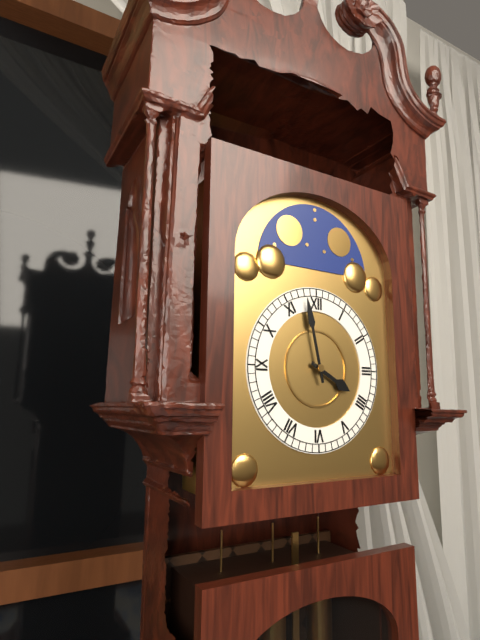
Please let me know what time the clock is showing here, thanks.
3:58
